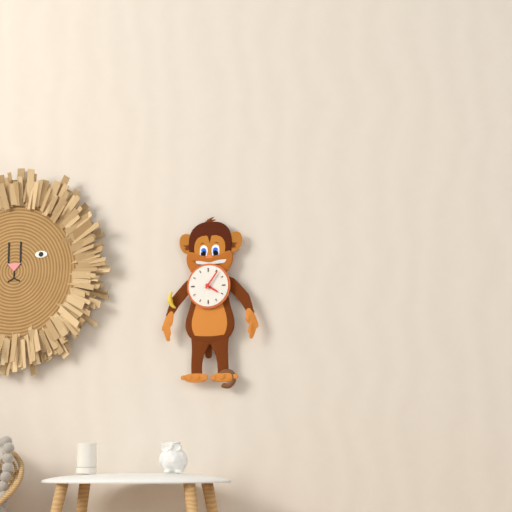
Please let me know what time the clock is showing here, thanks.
4:06
